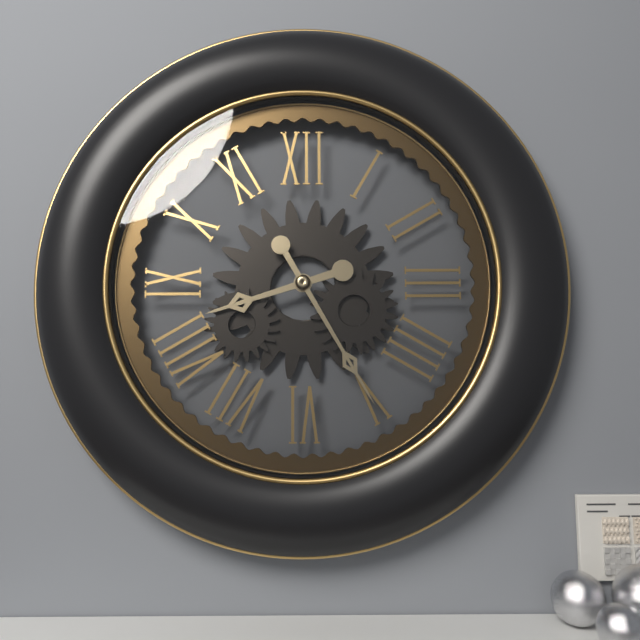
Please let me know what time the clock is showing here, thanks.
8:25
